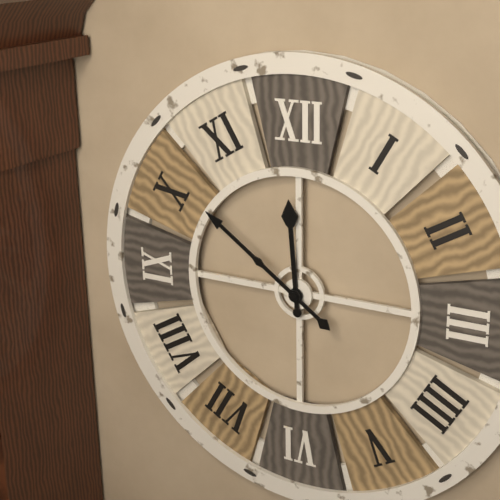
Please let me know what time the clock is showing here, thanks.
11:51
